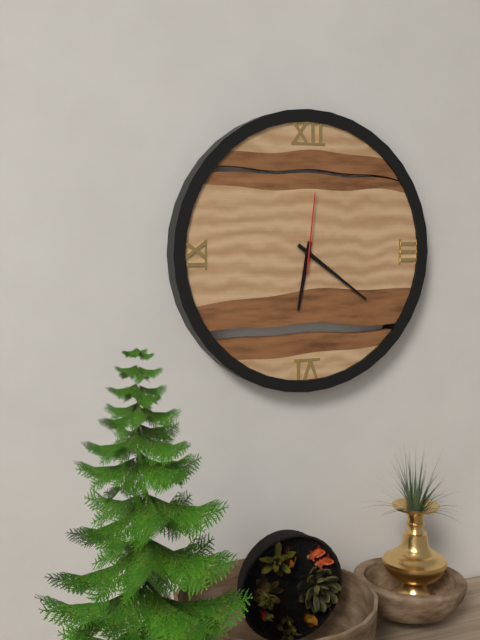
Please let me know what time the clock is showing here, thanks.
6:21:01
